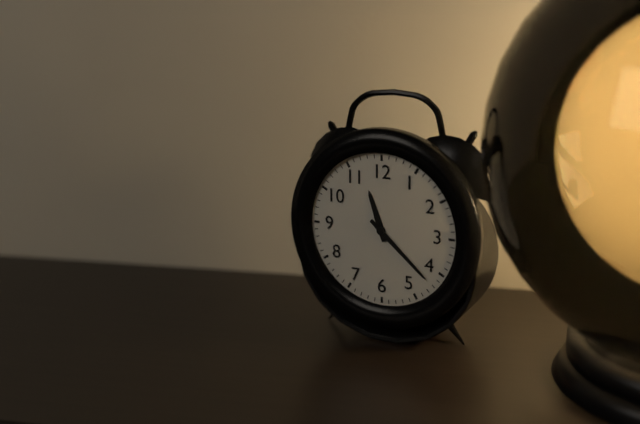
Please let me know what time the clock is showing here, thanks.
11:22
